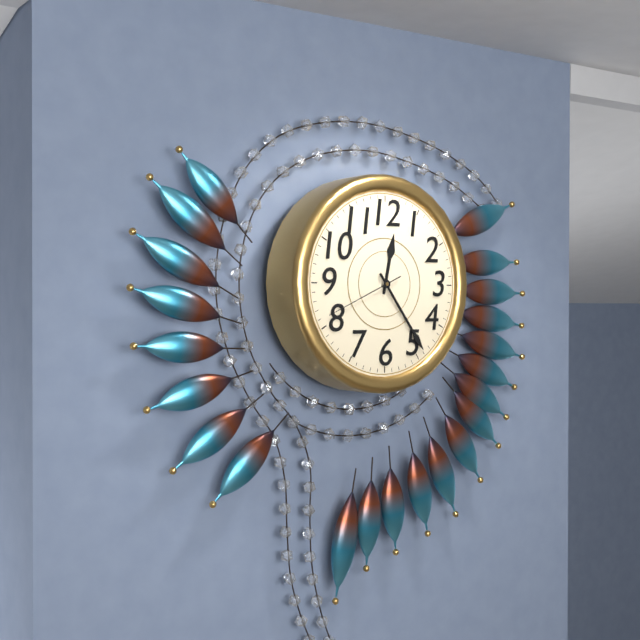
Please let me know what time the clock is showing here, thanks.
12:24:41
